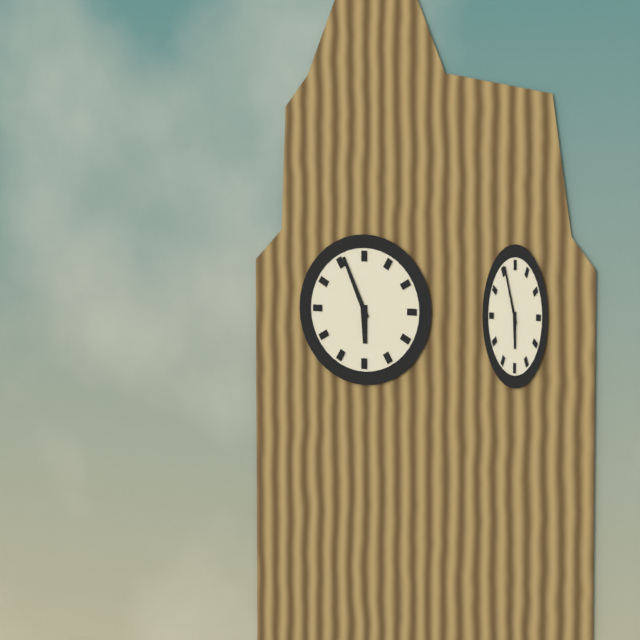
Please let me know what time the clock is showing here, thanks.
5:56
